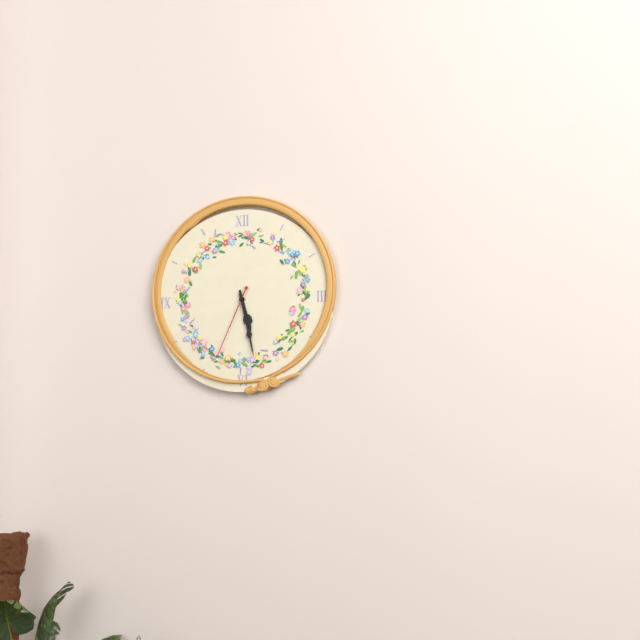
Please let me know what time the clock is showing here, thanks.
5:28:34
